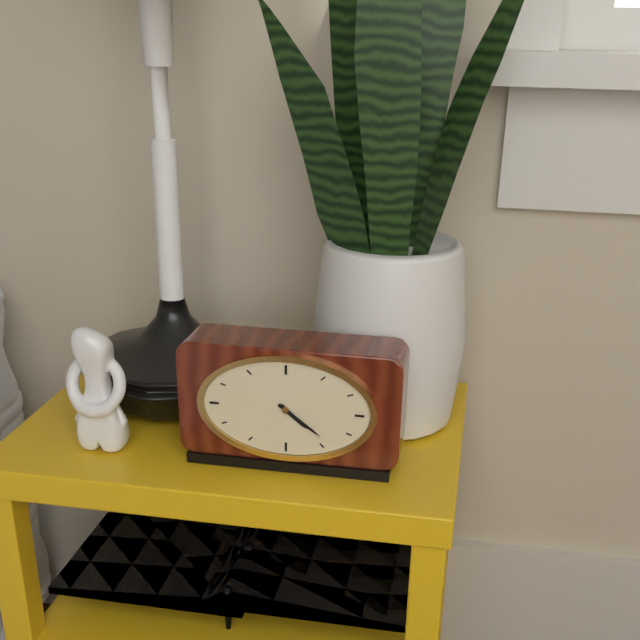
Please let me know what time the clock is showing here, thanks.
4:21
